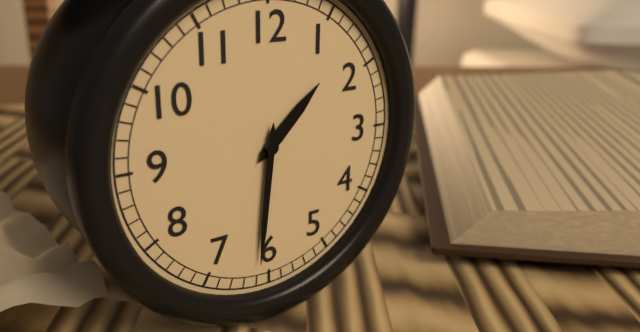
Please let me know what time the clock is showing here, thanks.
1:31
